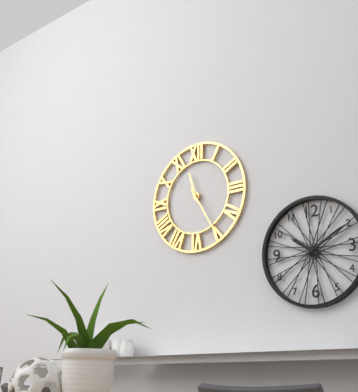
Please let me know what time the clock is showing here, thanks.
11:25
